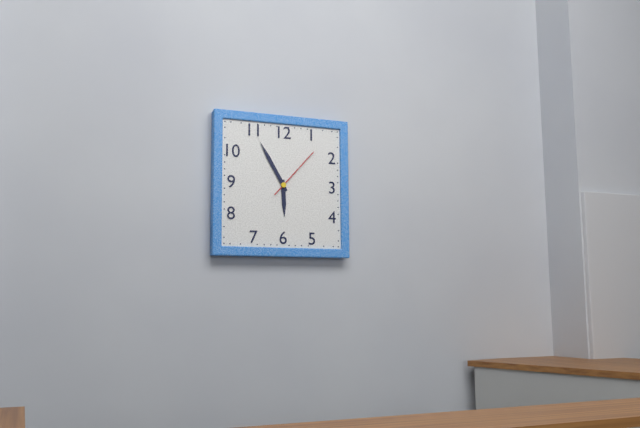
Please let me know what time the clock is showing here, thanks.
5:55:07
